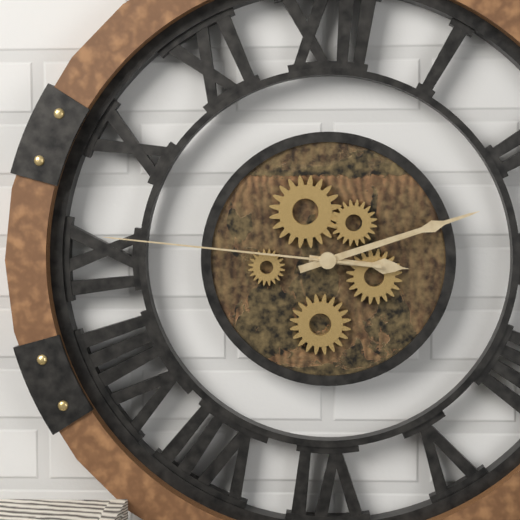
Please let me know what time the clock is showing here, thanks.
3:12:46
